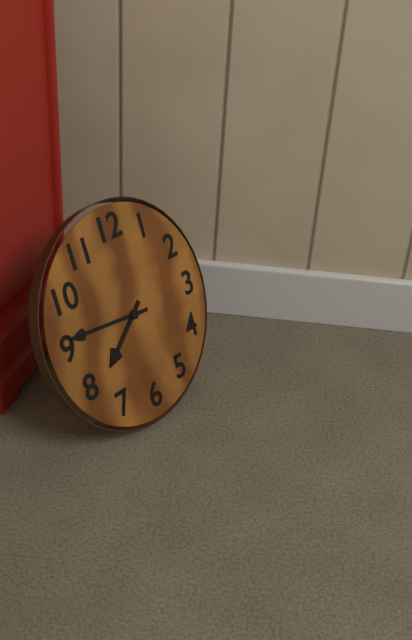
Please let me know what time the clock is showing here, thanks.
7:46
